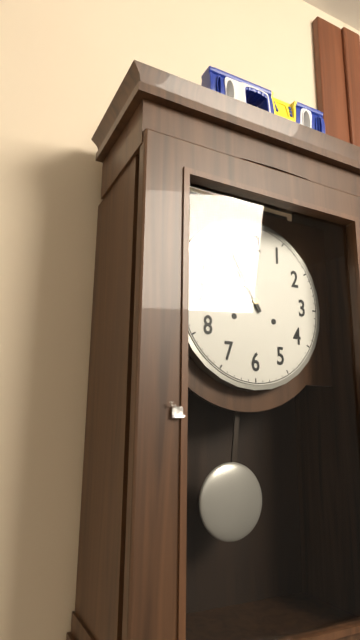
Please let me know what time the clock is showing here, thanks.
10:55
